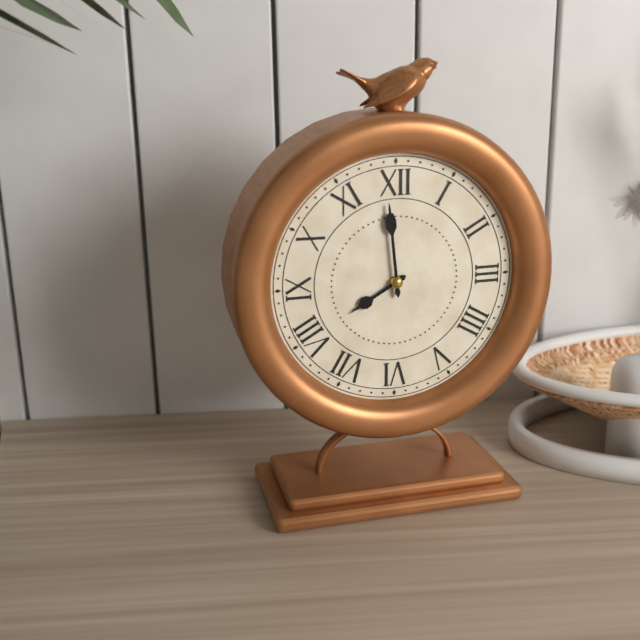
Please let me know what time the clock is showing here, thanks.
7:59
